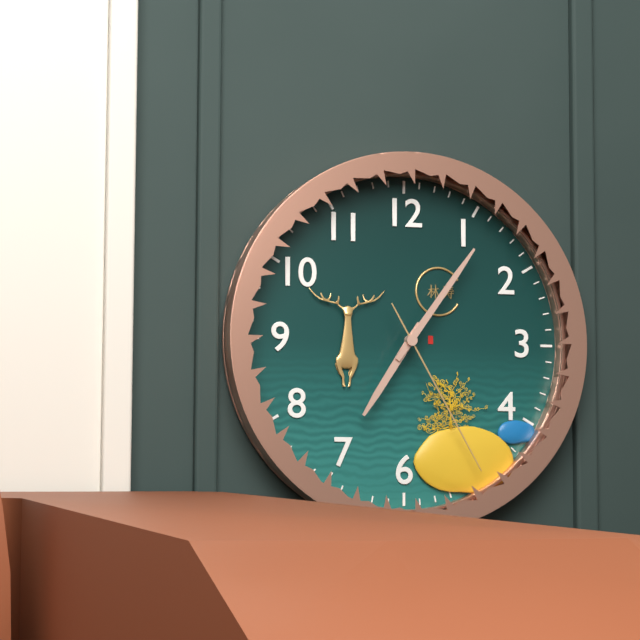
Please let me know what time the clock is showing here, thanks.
7:06:25
